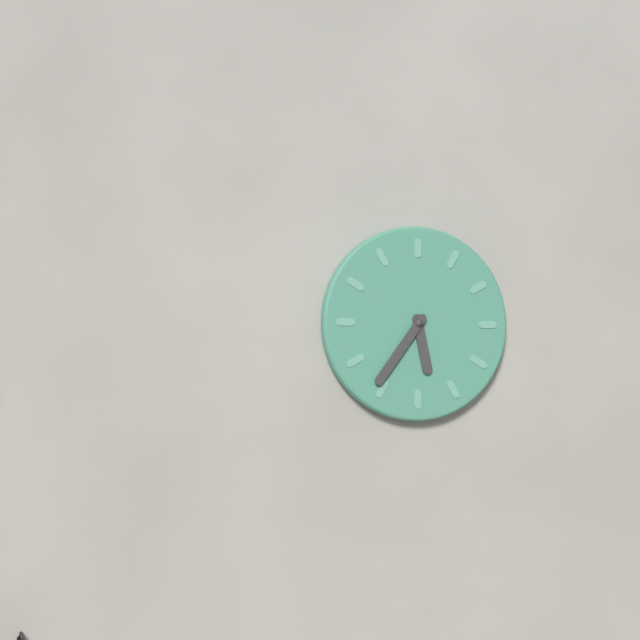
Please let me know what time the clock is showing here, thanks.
5:36
